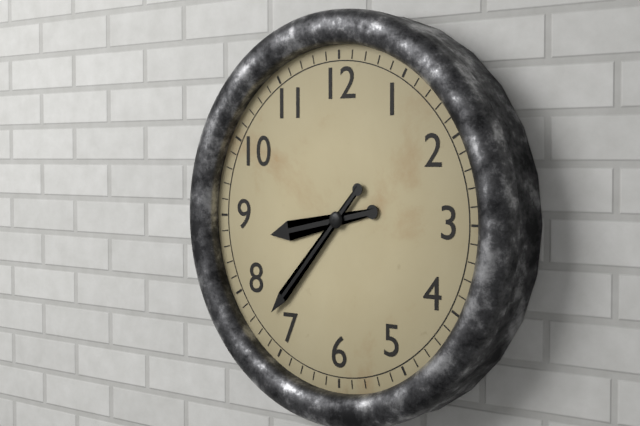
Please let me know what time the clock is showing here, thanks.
8:37
